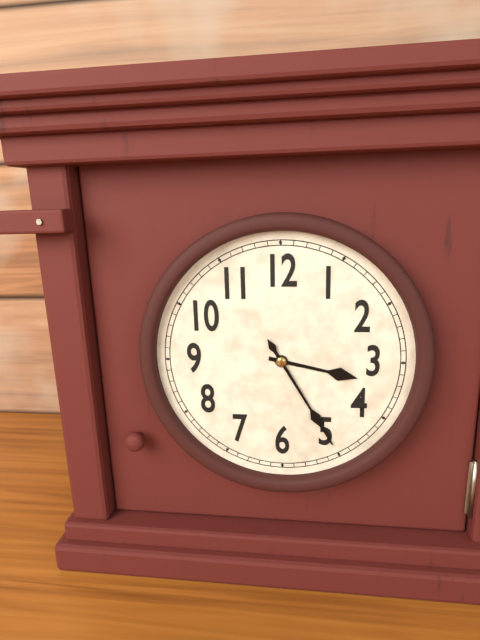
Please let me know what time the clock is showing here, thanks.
3:25
